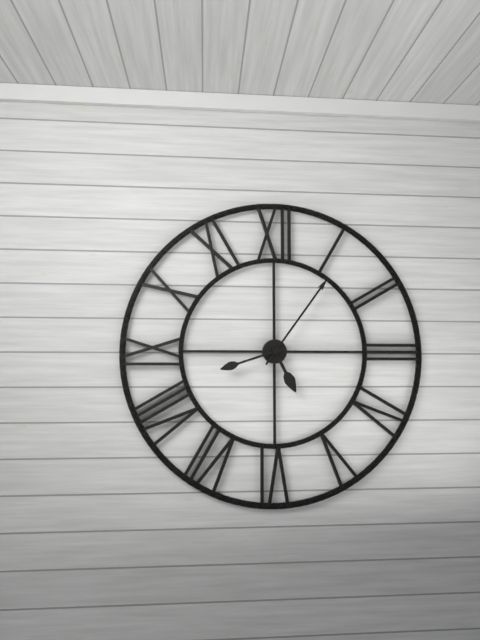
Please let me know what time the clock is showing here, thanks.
5:06:42
